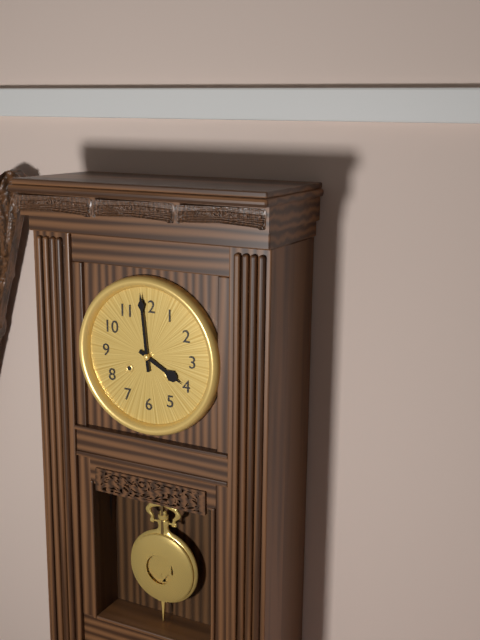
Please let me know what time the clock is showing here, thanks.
3:59
